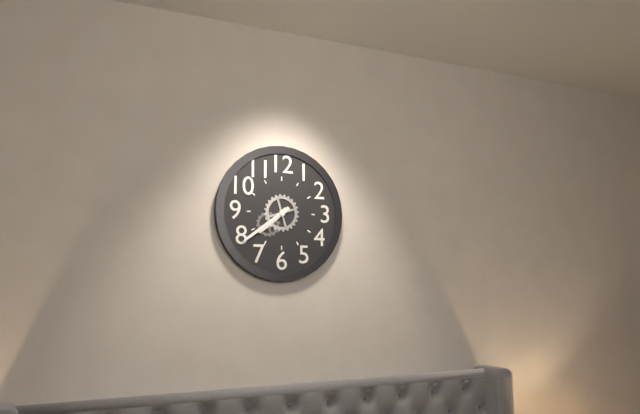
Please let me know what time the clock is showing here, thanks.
7:39
